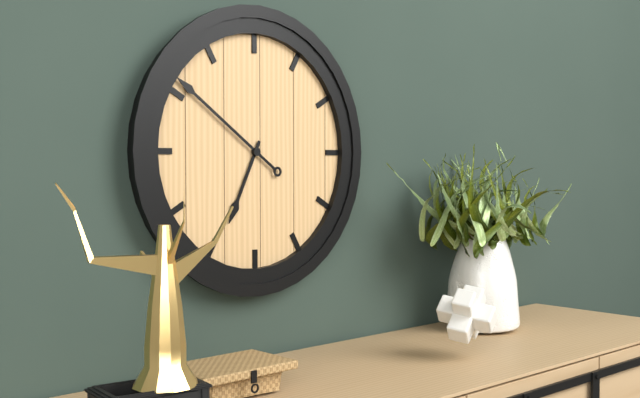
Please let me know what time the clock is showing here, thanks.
6:51
